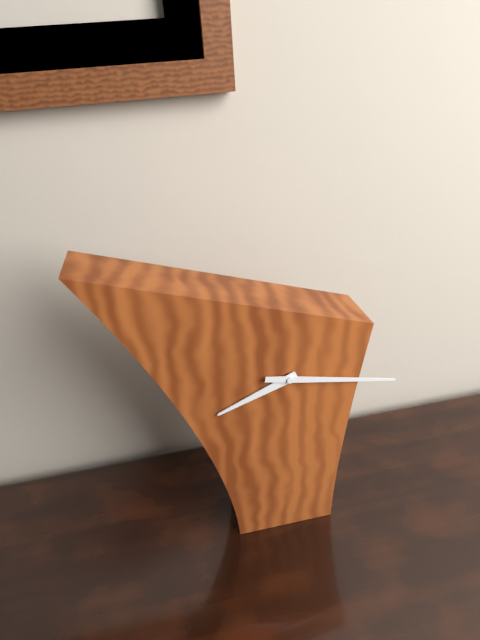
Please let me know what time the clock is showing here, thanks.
8:17
